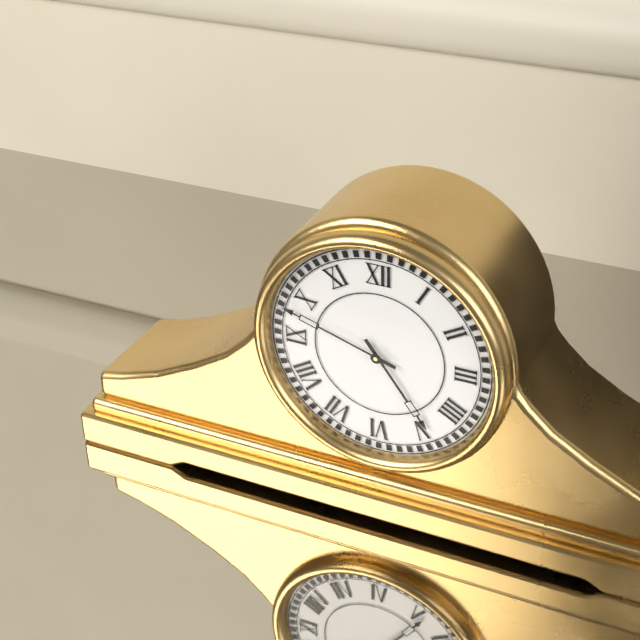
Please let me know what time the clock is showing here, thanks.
4:48
